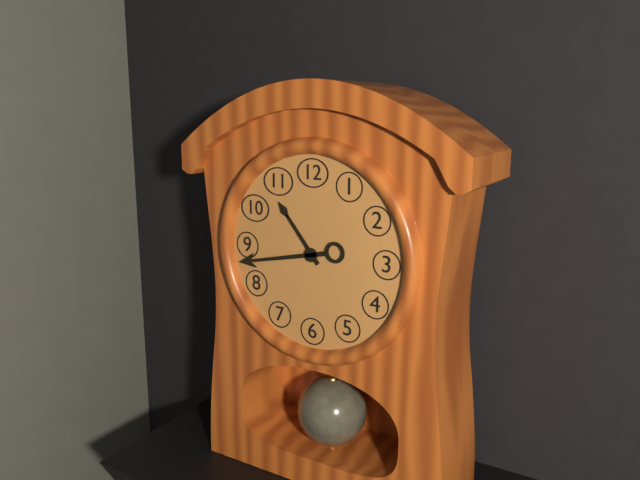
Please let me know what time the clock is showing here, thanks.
10:43
